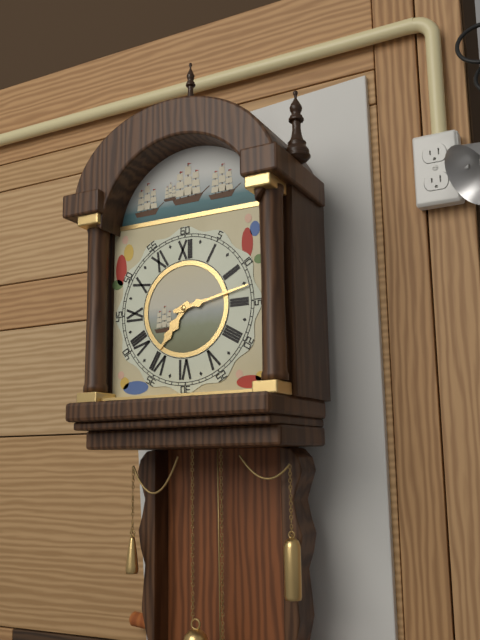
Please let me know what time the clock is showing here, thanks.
7:13
